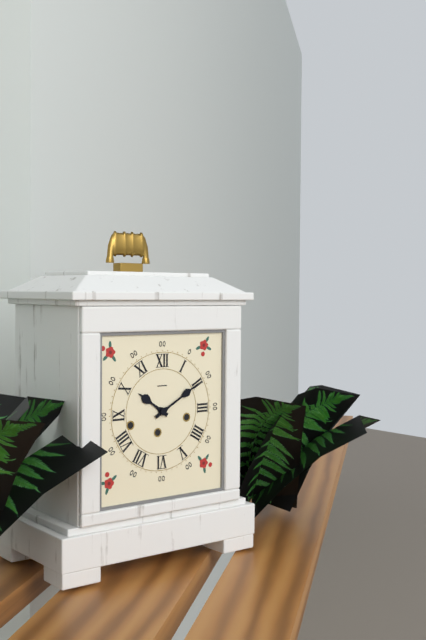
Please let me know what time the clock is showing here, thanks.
10:10
